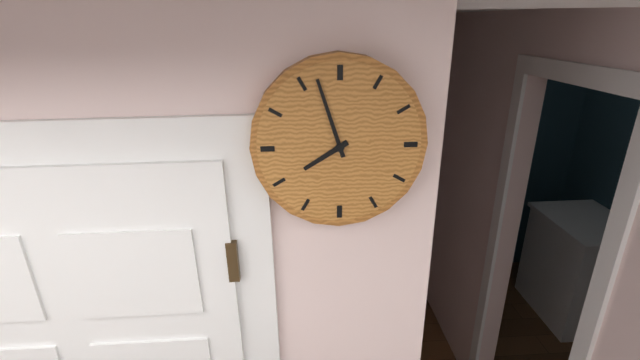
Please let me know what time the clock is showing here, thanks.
7:57
